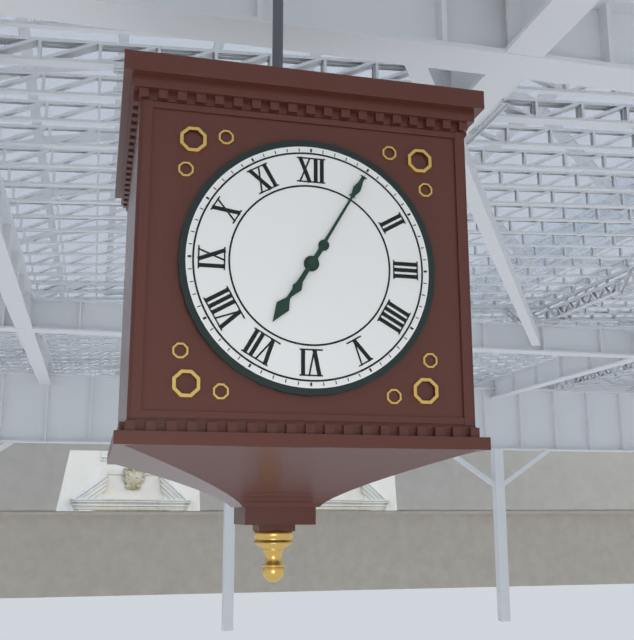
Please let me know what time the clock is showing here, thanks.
7:05
